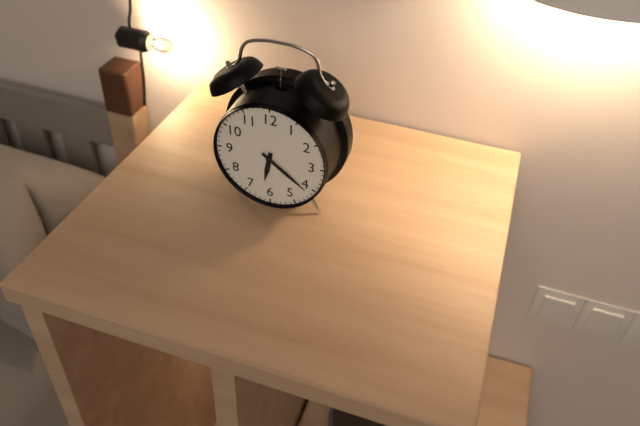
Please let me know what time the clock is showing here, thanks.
6:21
